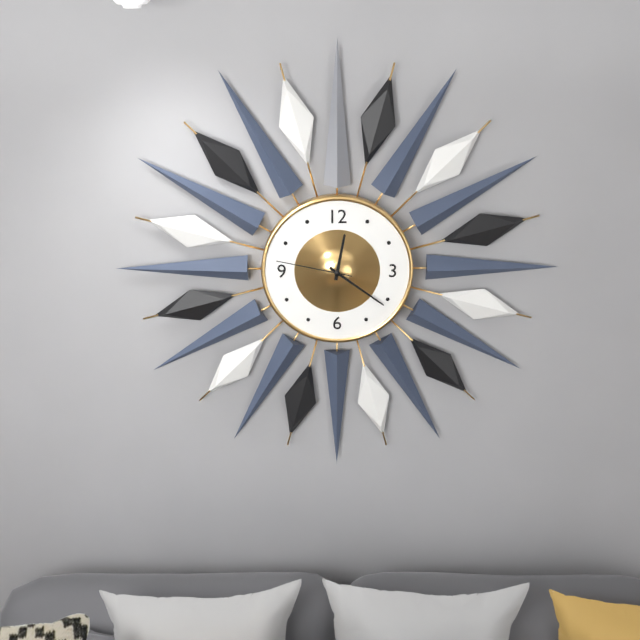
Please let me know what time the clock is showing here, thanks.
12:21:47
